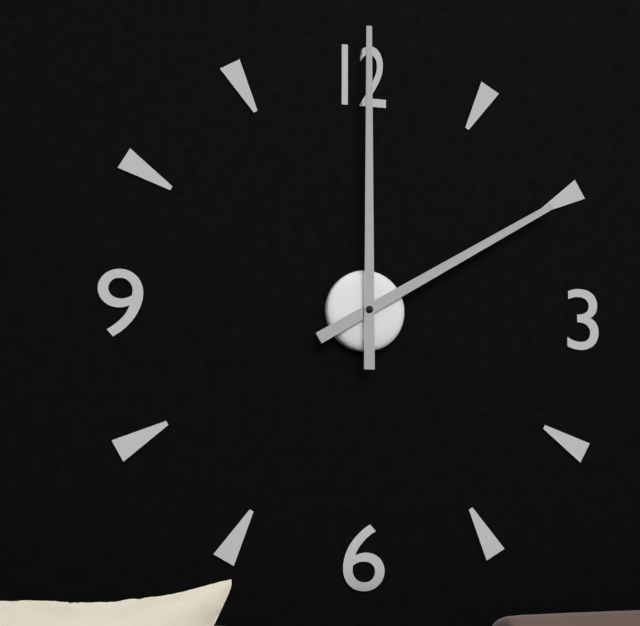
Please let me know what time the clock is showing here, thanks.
2:00
